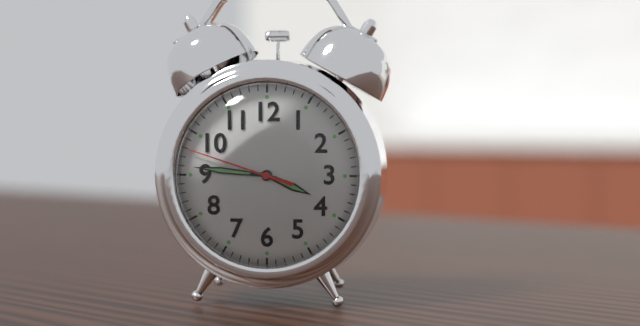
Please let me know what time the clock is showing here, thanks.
3:46:48
